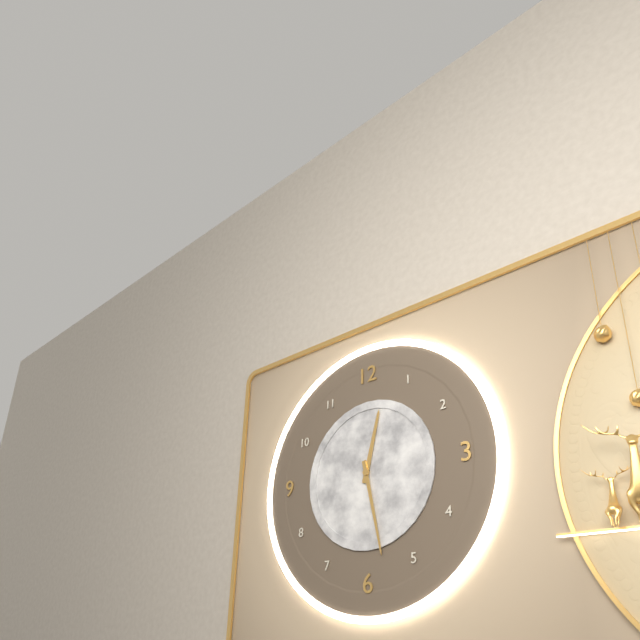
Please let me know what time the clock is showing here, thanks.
12:28
